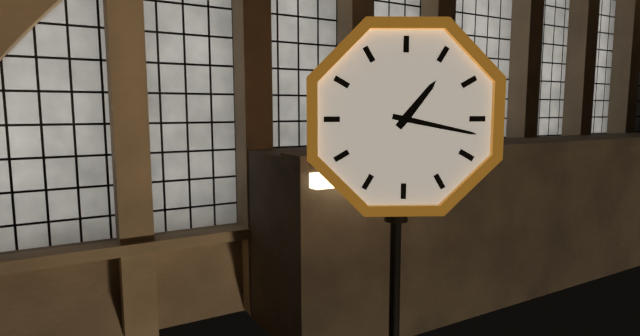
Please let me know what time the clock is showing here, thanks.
1:17
